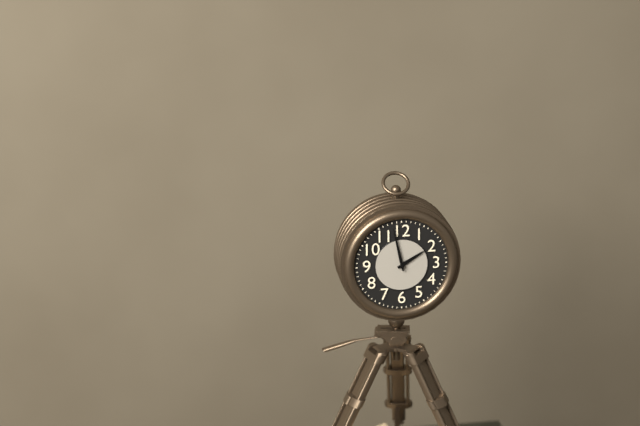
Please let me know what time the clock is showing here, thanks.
1:58
